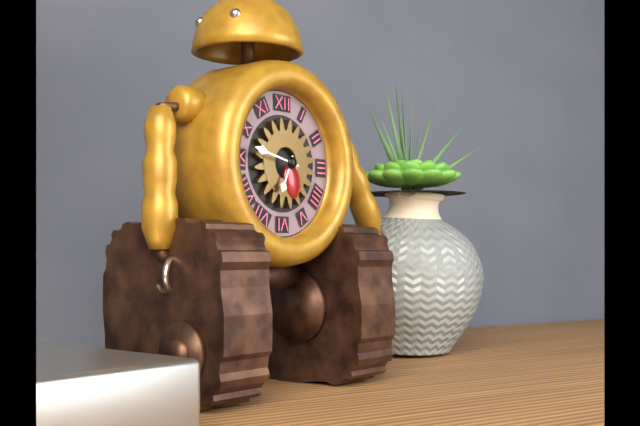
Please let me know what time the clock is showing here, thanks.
6:47
